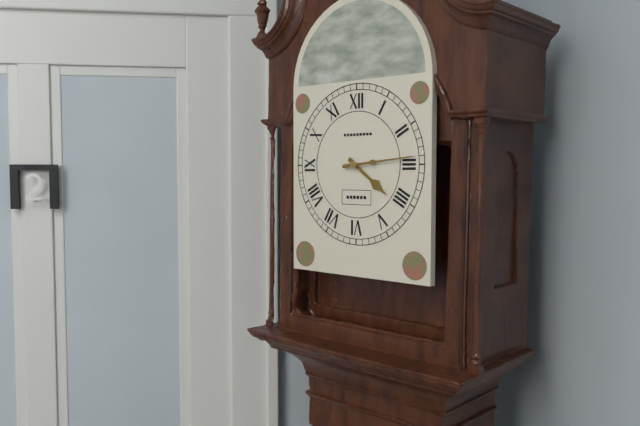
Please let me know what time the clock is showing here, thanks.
4:14
